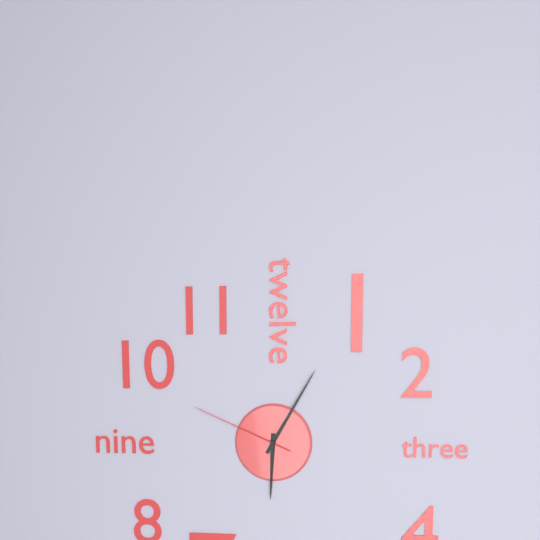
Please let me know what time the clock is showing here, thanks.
6:05:49
